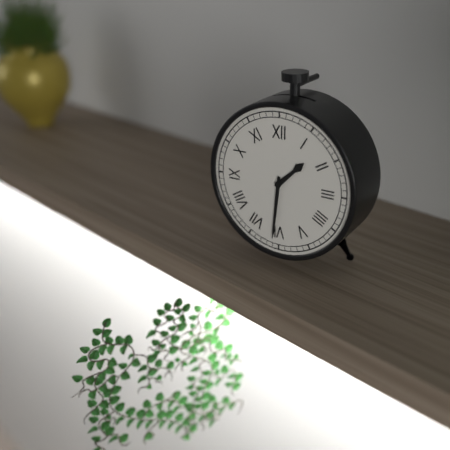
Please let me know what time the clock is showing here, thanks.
1:31
